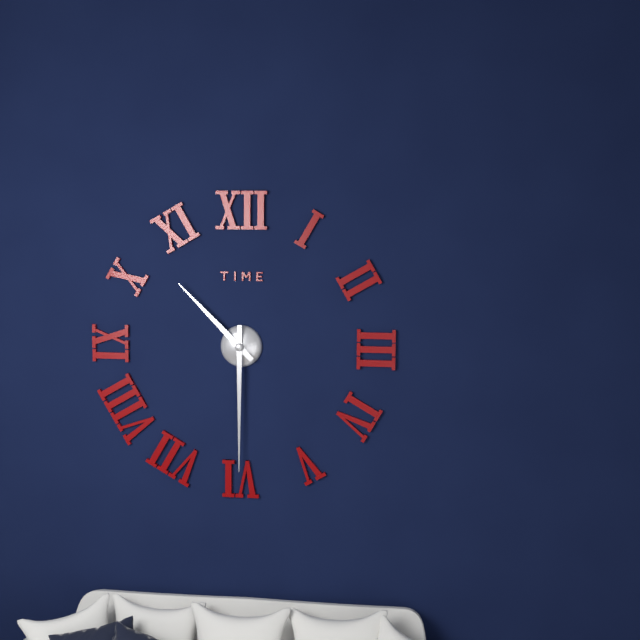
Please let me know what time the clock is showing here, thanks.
10:30
